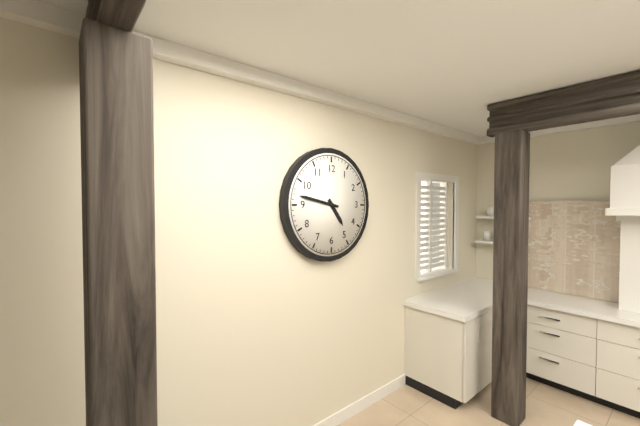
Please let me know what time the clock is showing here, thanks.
4:47
